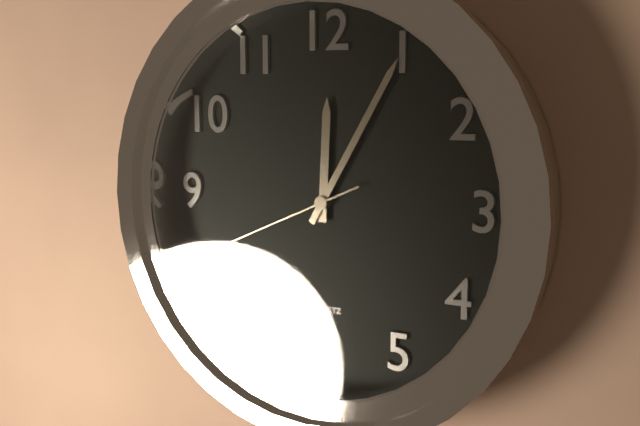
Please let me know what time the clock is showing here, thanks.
12:05:41
